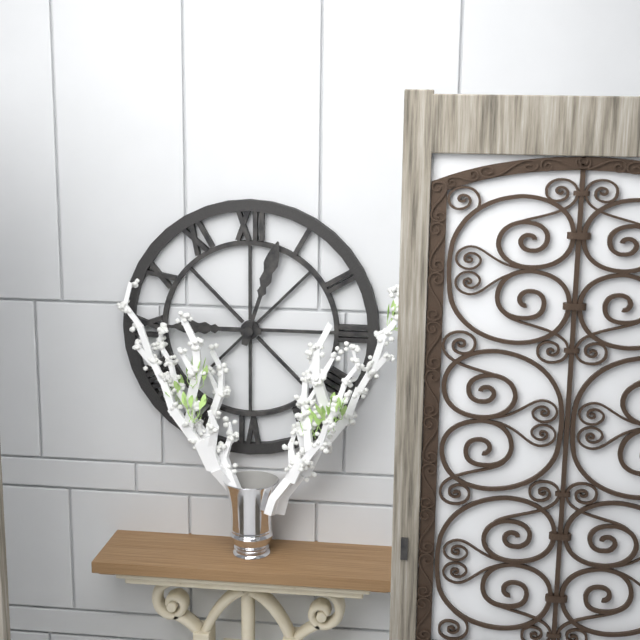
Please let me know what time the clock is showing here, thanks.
9:03
